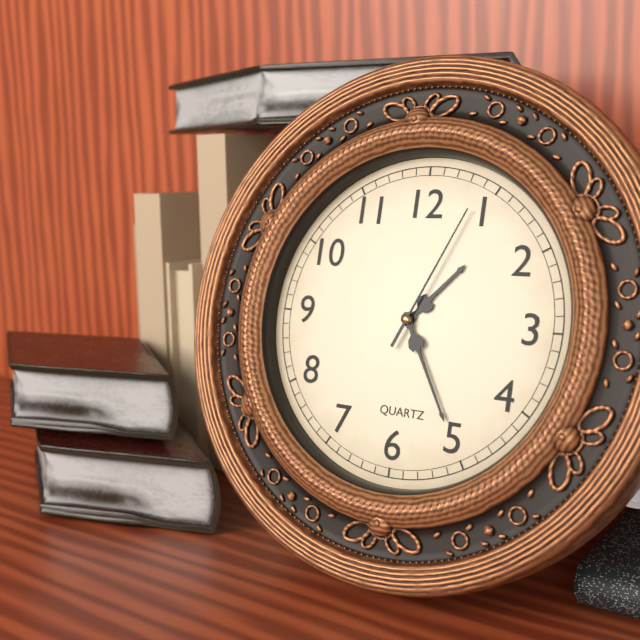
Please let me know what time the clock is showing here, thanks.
1:25:04
